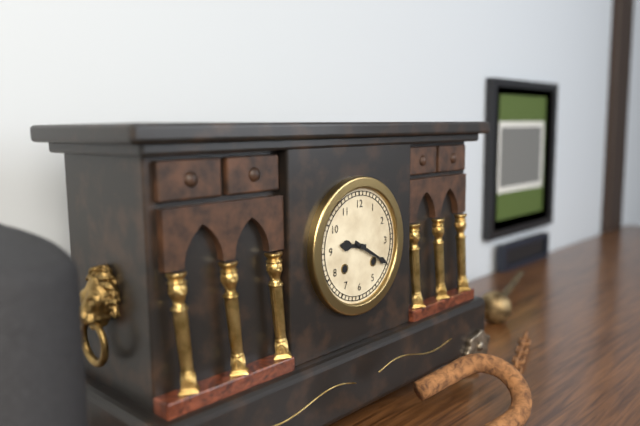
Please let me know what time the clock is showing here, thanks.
9:20
